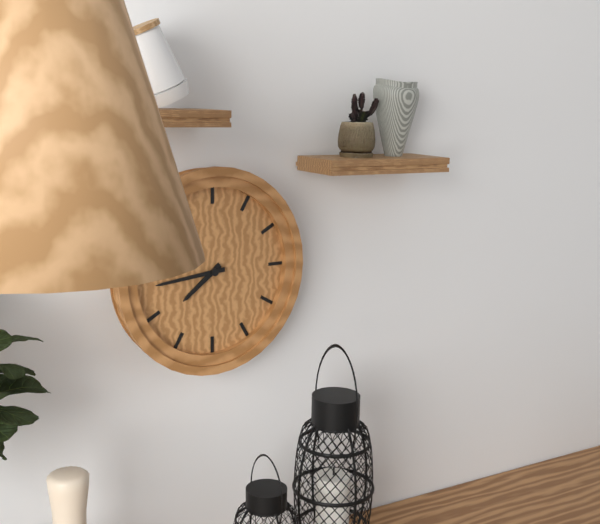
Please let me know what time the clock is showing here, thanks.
7:44
